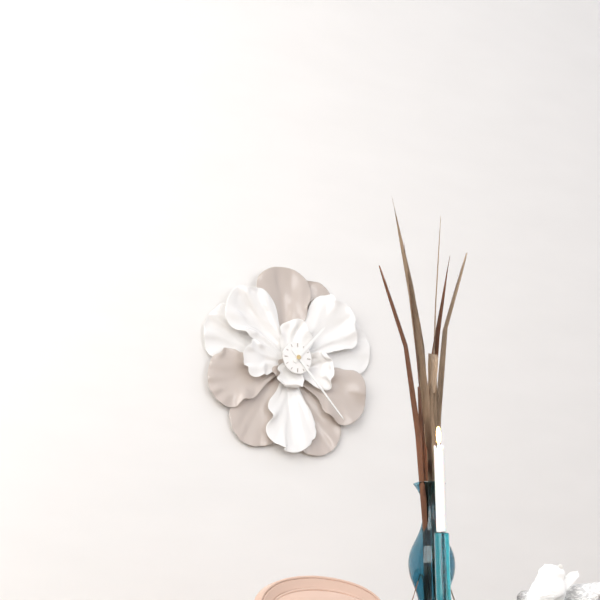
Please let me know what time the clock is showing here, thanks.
1:23
